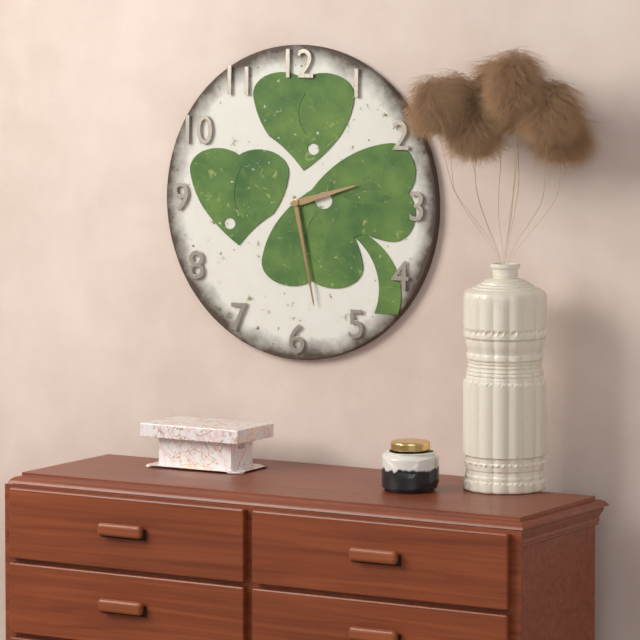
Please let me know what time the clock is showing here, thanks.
2:28
